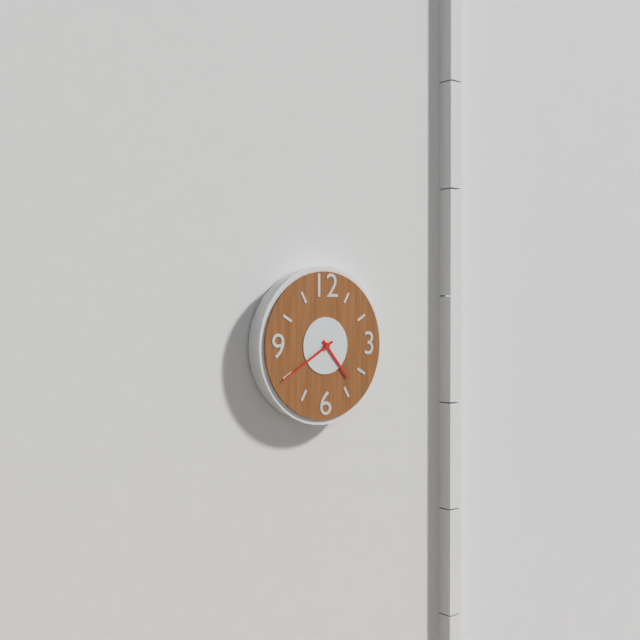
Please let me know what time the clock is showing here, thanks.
4:40
